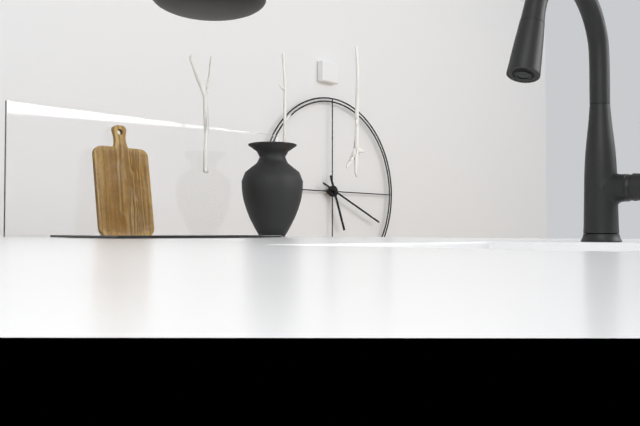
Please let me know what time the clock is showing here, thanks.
5:19
